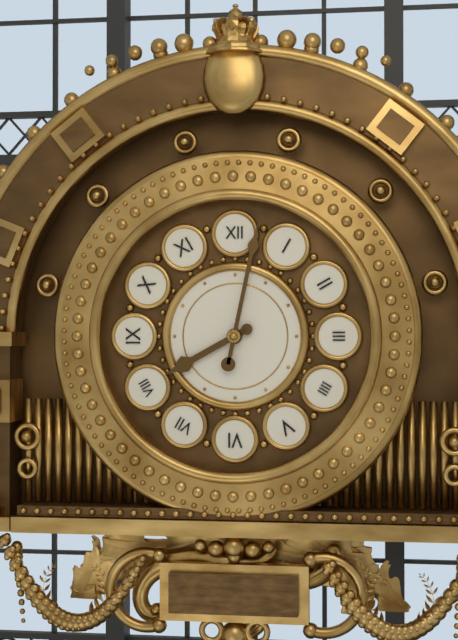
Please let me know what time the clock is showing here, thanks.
8:02
